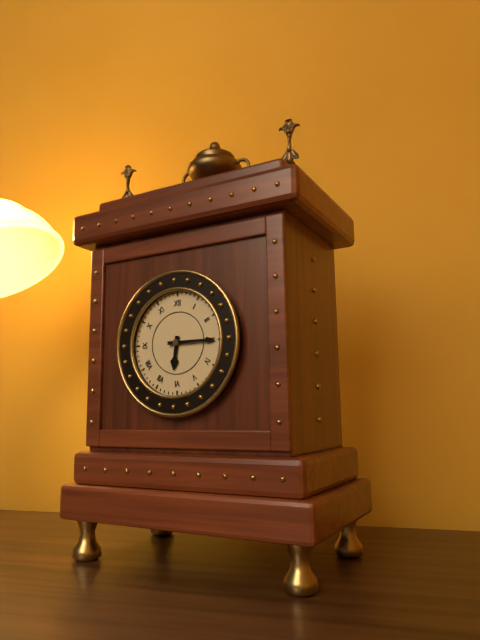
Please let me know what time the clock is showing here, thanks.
6:15
